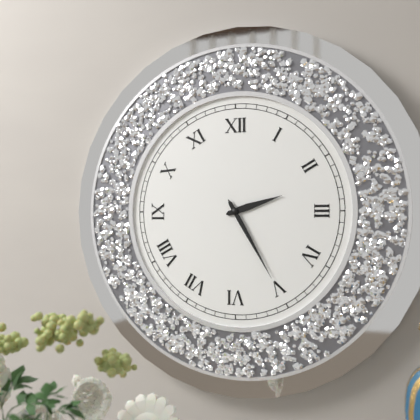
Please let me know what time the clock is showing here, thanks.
2:25
